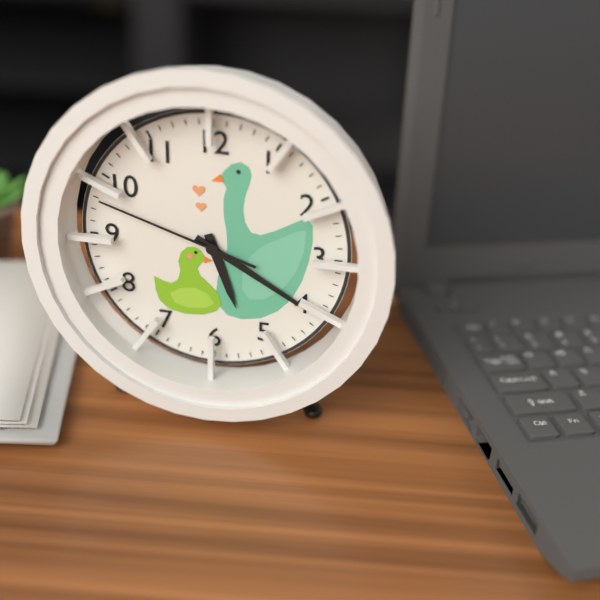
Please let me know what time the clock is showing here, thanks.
5:20:48
